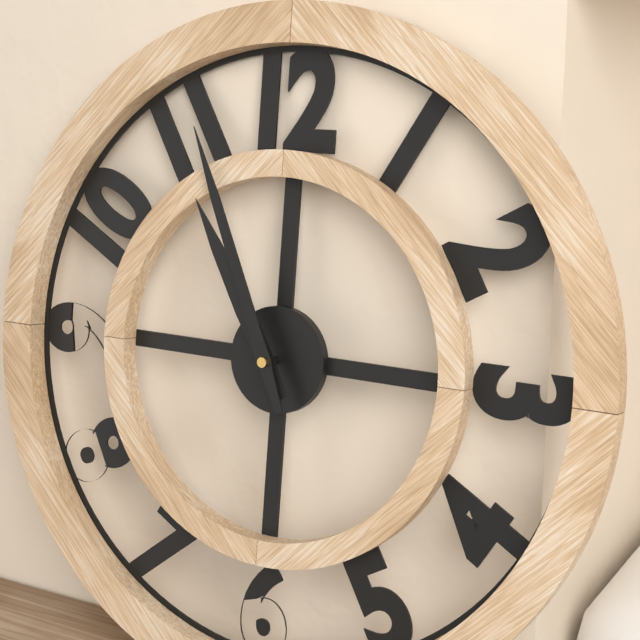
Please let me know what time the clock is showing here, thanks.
10:56
